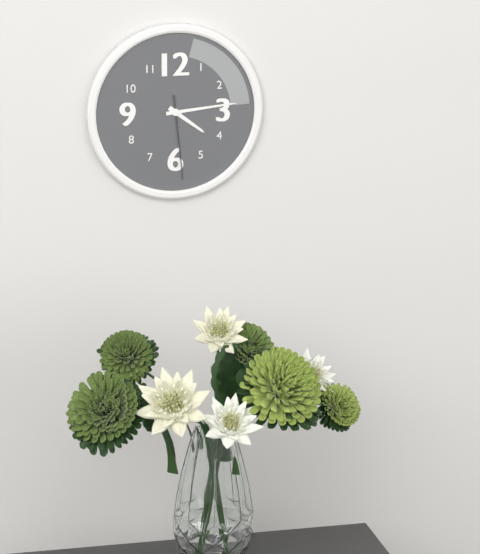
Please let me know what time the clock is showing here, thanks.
4:14:29
